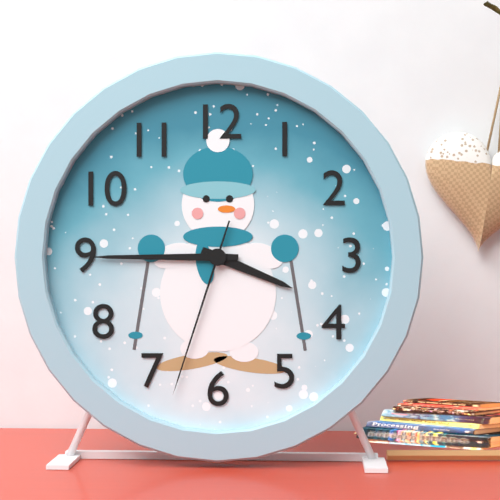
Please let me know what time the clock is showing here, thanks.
3:45:33
